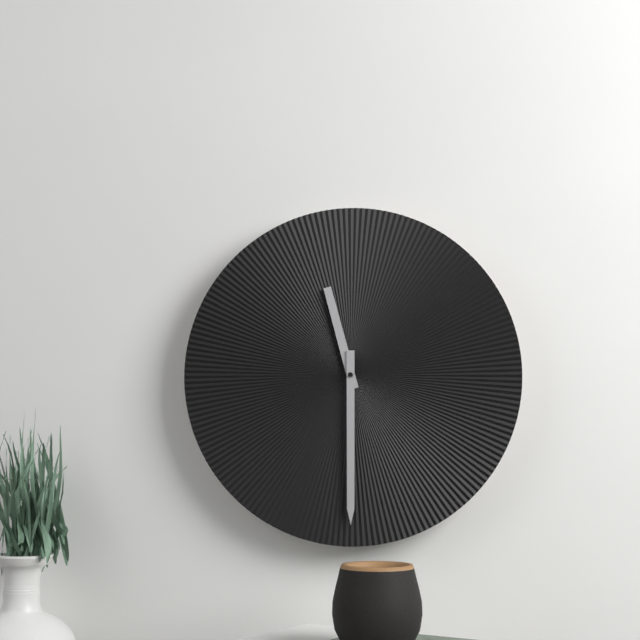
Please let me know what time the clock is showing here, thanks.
11:30
